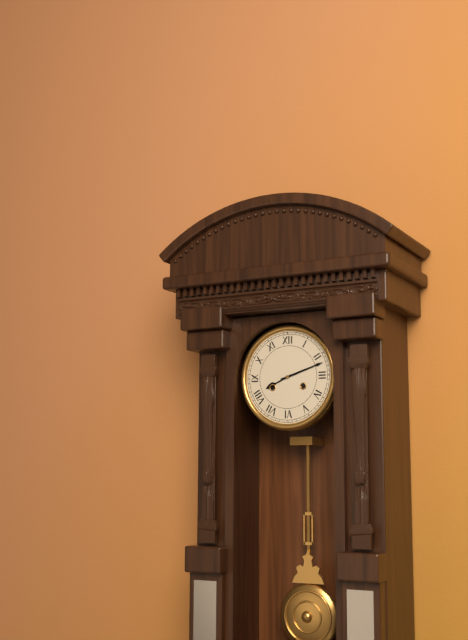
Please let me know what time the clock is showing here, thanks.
8:12
